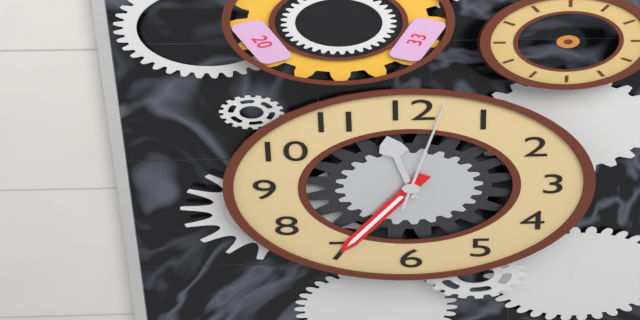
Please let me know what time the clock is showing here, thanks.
11:35:02
